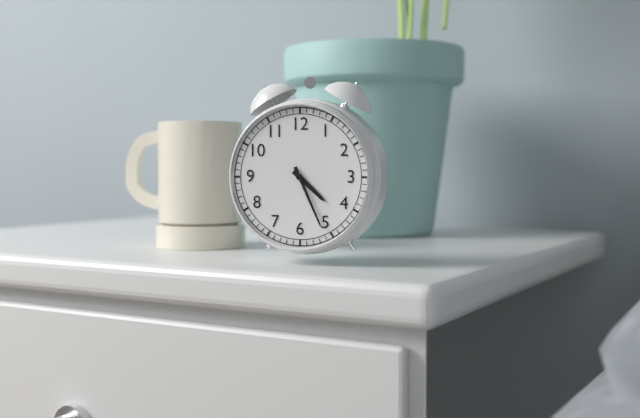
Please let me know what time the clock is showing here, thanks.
4:26
